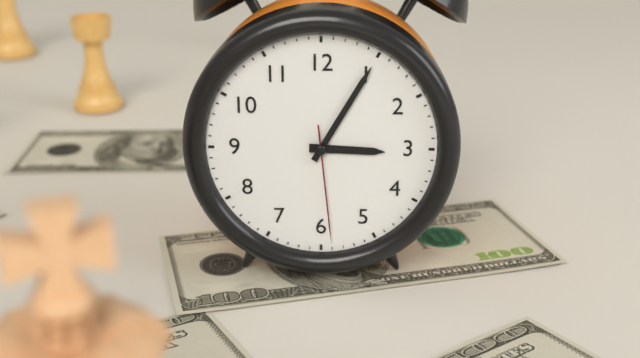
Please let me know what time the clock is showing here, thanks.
3:05:29
